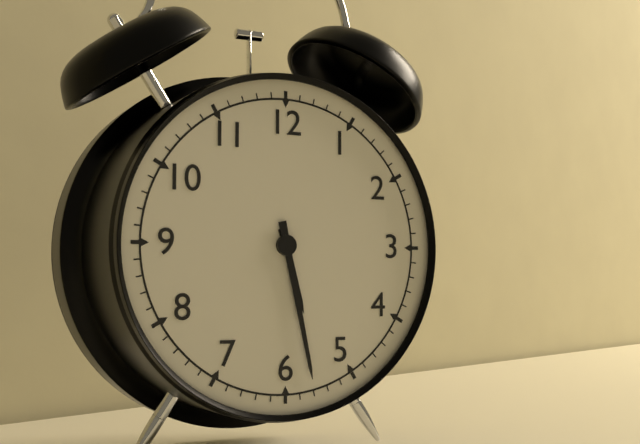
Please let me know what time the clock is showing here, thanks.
5:28
